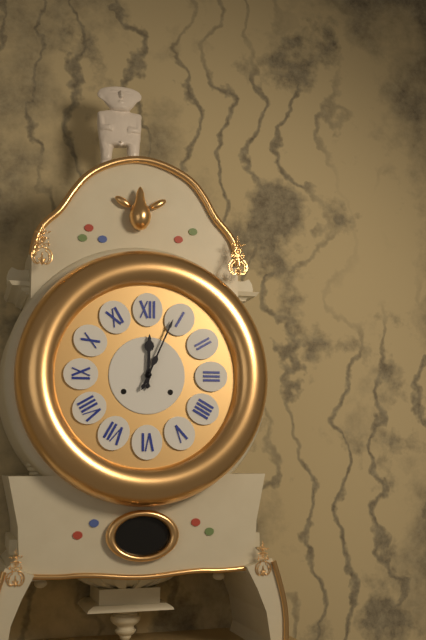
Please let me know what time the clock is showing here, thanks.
12:04
